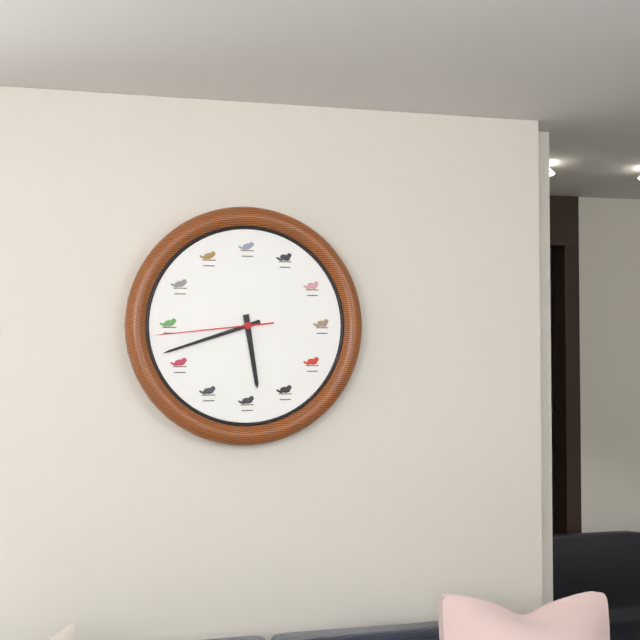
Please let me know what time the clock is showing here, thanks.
5:42:44
